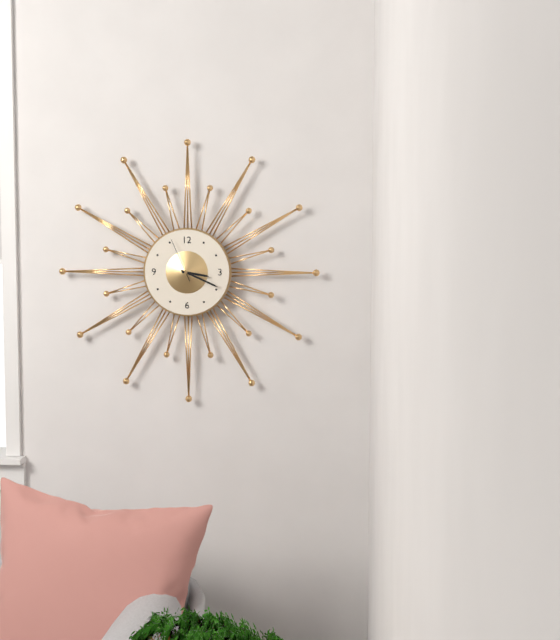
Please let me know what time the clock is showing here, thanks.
3:19
